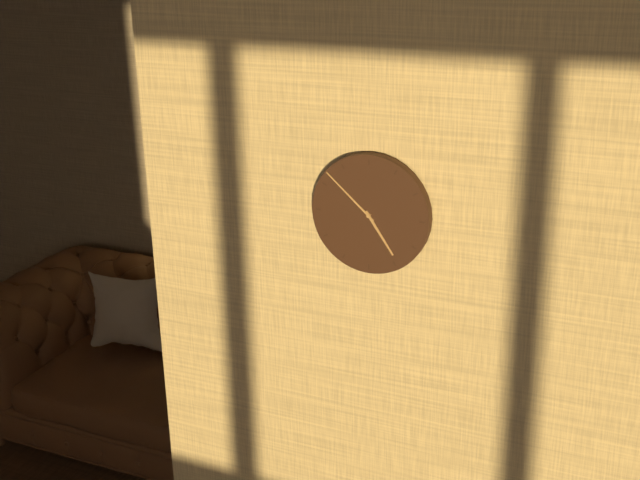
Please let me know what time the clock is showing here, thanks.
4:52
